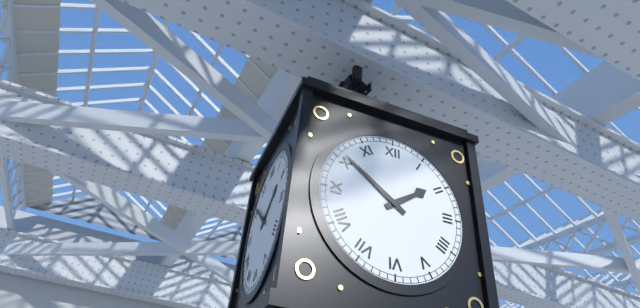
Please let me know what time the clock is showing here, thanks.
1:51
